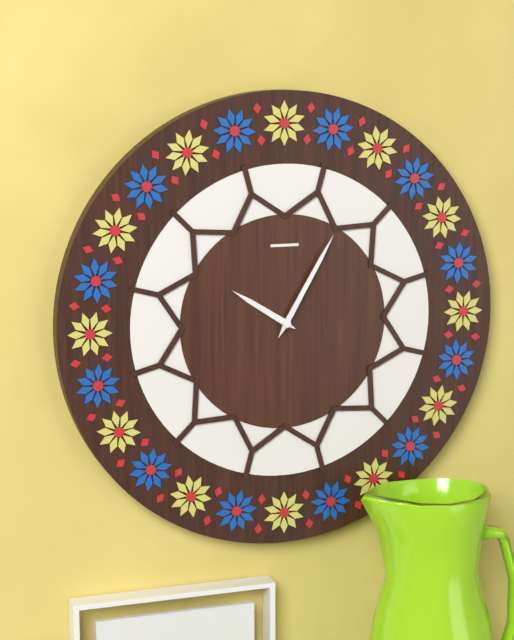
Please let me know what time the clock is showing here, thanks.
10:05
